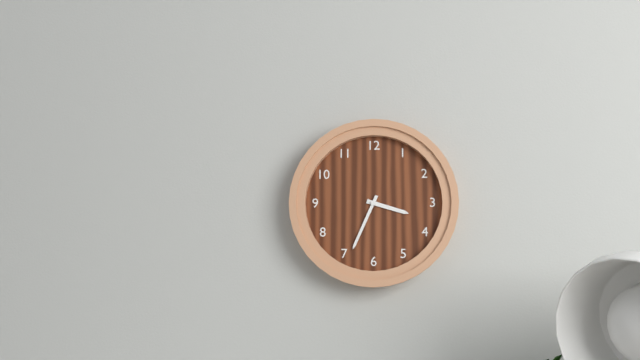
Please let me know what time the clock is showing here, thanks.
3:34
